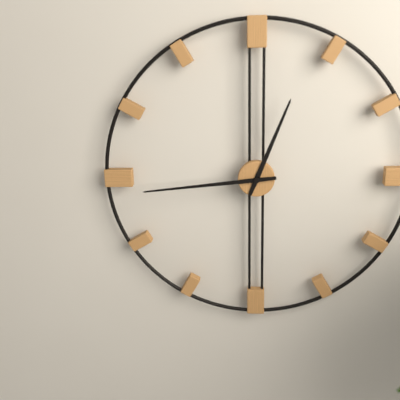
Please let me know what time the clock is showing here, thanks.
12:44
